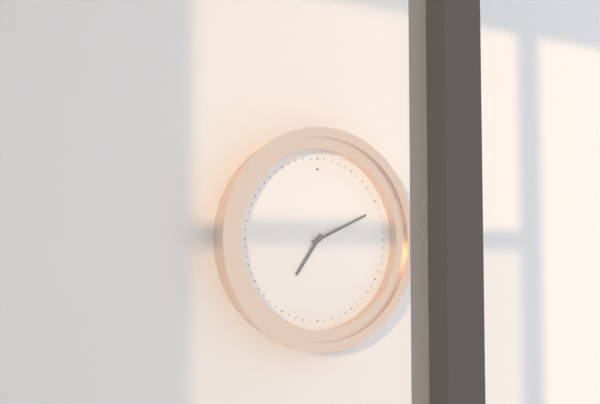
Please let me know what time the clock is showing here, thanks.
7:11
